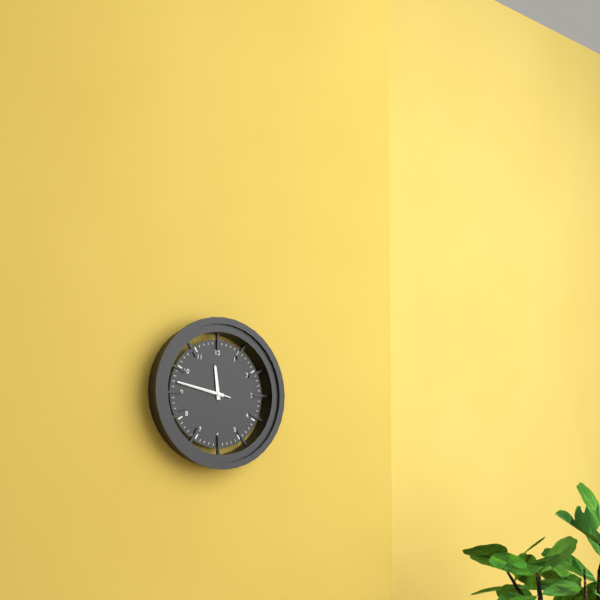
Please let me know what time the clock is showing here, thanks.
11:47:47
